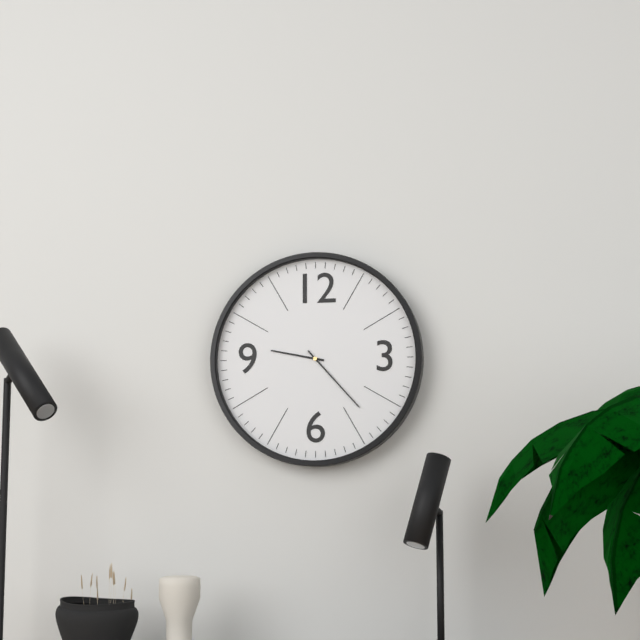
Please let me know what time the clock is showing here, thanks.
9:23
